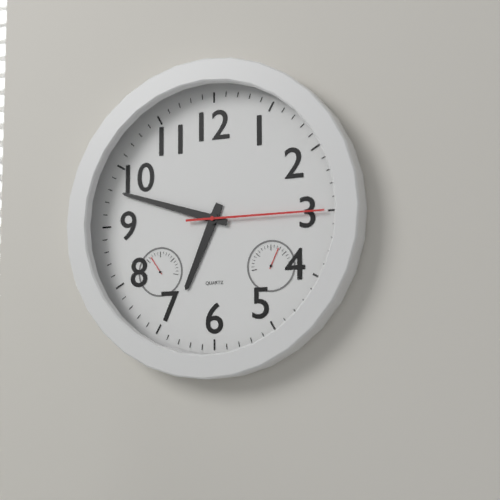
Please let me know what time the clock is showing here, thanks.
6:48:15
